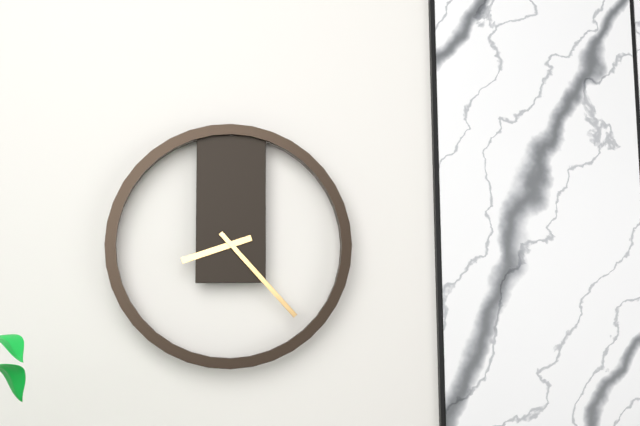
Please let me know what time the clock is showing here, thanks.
8:23
